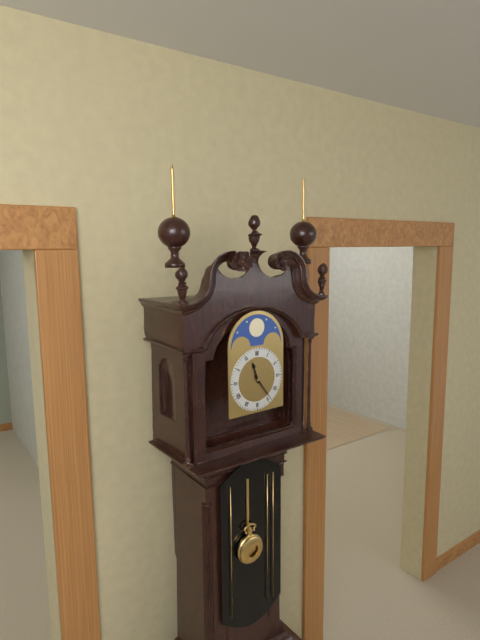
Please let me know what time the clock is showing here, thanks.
11:24
